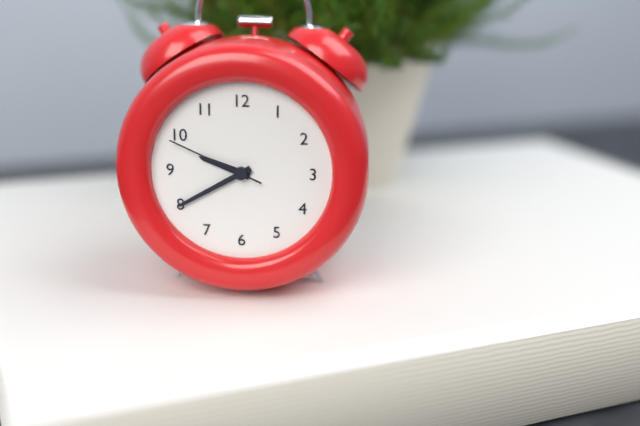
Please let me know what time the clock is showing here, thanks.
9:40:49
